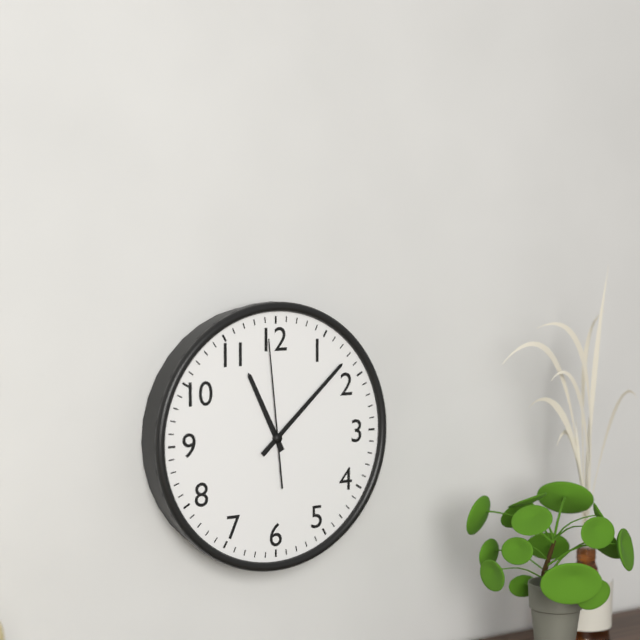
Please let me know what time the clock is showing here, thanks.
11:08:59
